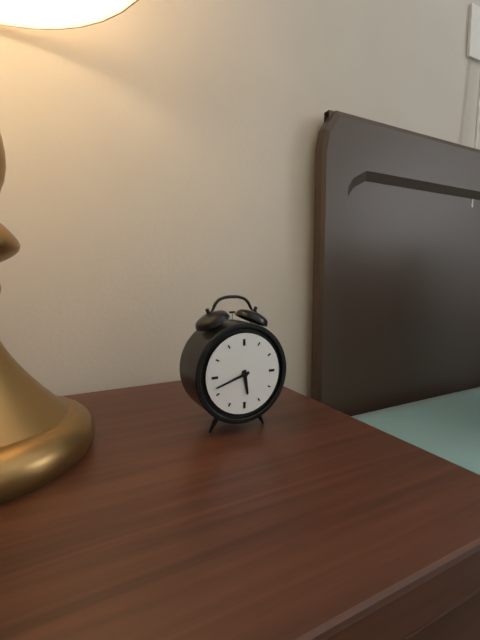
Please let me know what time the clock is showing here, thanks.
5:42
